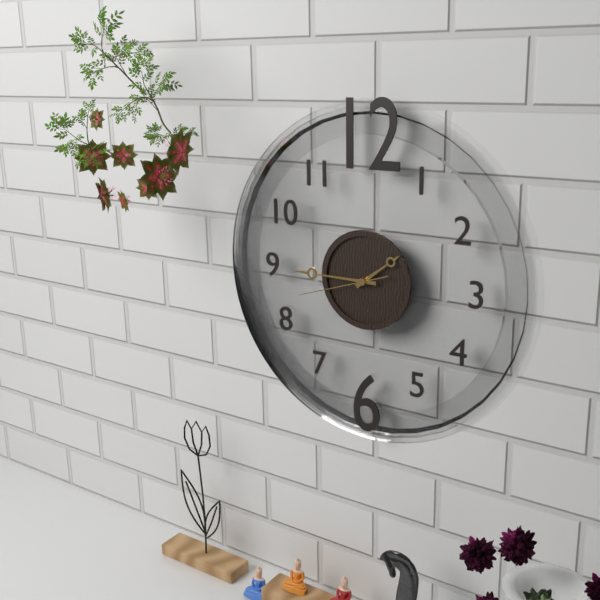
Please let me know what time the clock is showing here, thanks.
1:45:42
